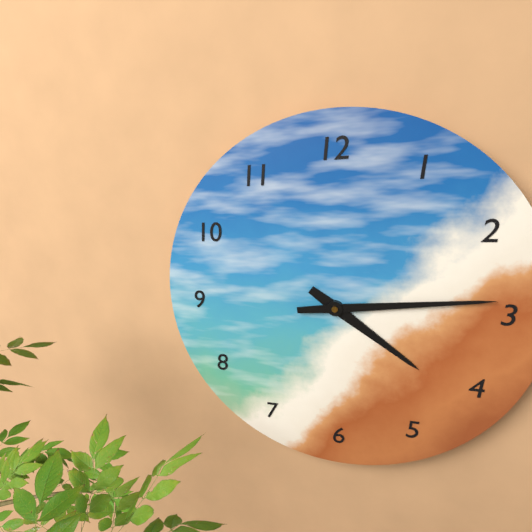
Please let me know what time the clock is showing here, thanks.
4:14
